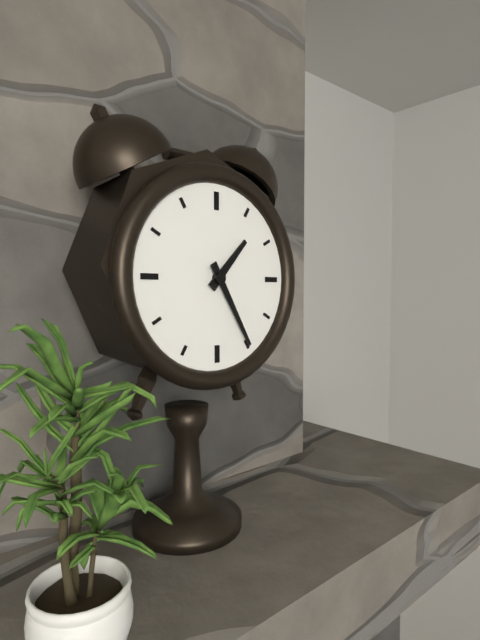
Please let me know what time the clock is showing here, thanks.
1:25
